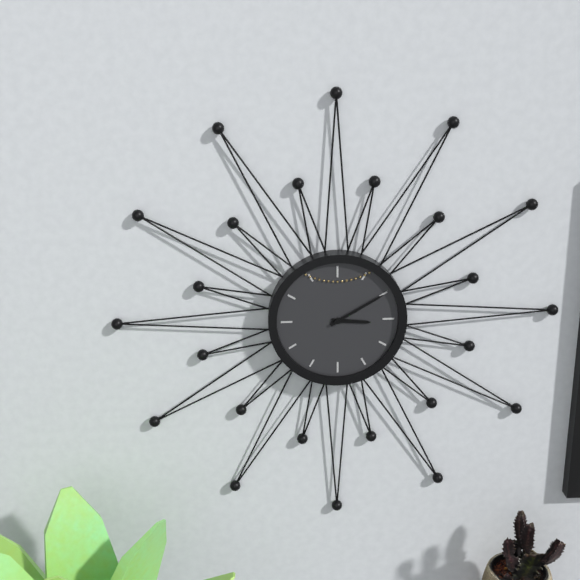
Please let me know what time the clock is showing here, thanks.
3:10
